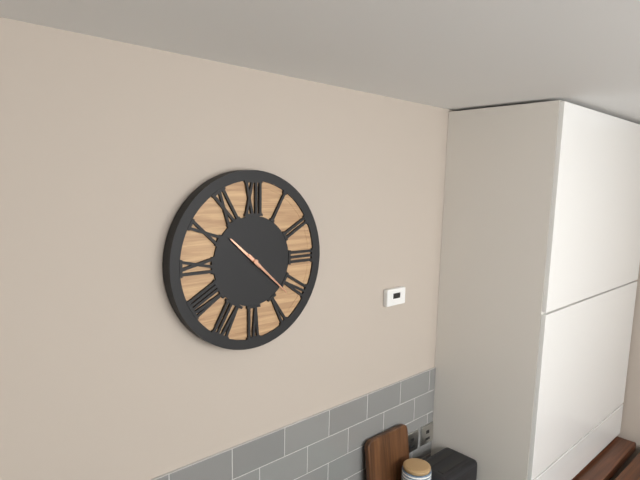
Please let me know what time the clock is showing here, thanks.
10:22
